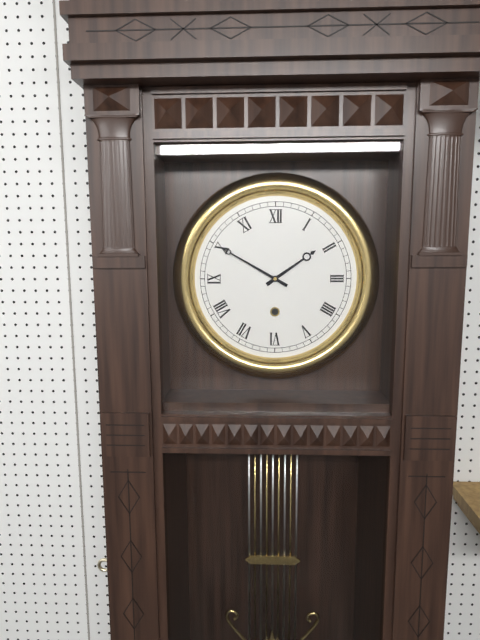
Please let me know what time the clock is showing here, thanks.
1:50
